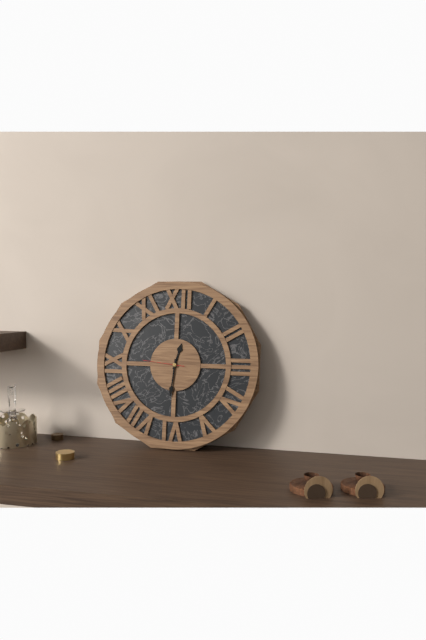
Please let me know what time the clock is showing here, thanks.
12:31
